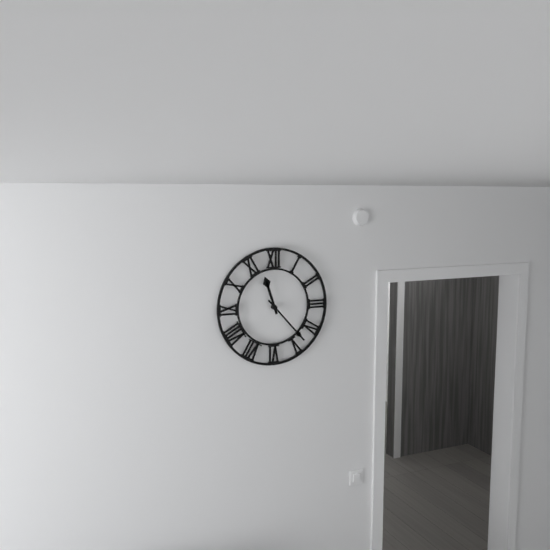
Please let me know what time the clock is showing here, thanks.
11:23
